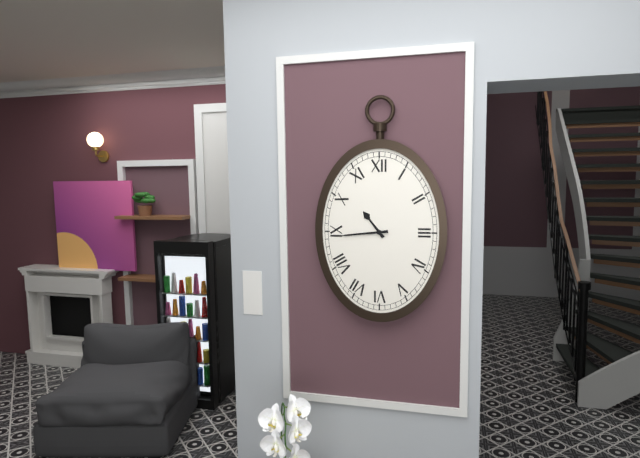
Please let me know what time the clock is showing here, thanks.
10:44
